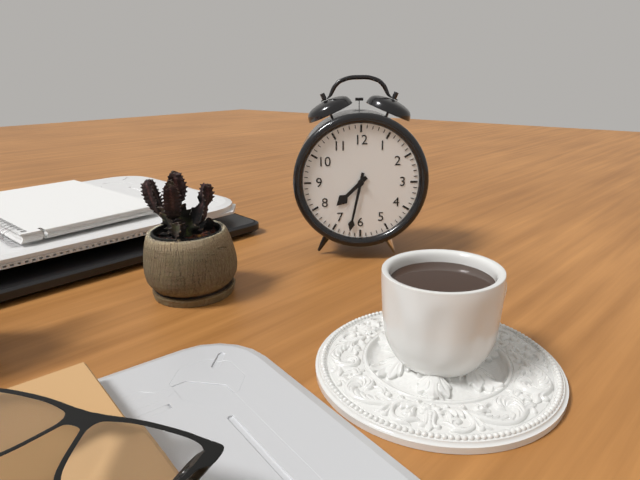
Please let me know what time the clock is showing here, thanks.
7:32
